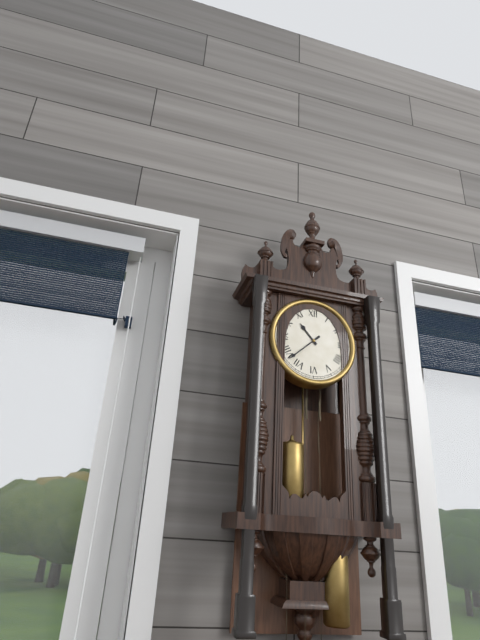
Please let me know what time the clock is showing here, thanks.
10:38
